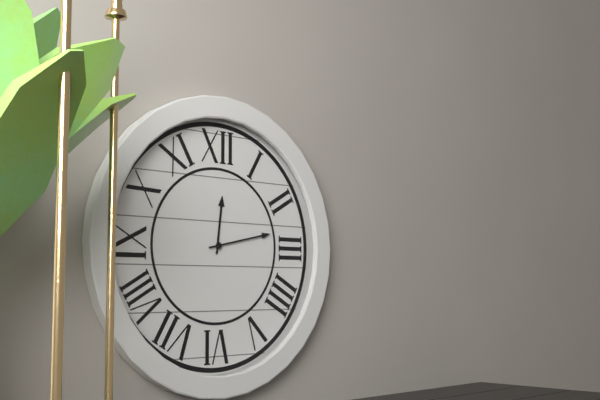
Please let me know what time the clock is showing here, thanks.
12:13
